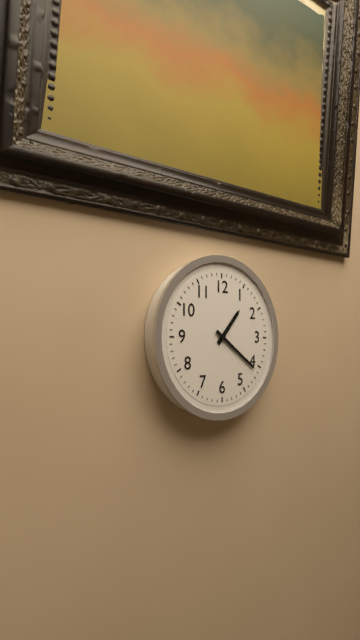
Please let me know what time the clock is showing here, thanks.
1:21
